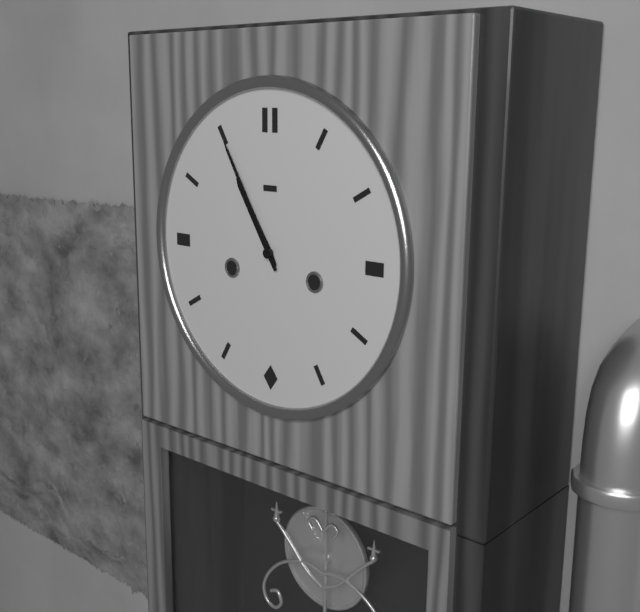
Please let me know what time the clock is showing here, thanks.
10:55
